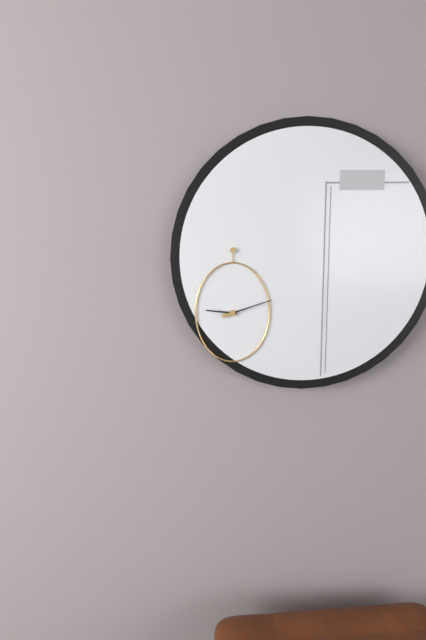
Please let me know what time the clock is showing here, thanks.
9:12
